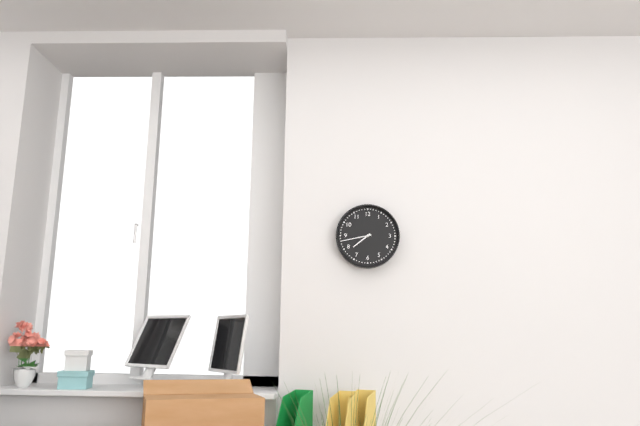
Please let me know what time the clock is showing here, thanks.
7:43
